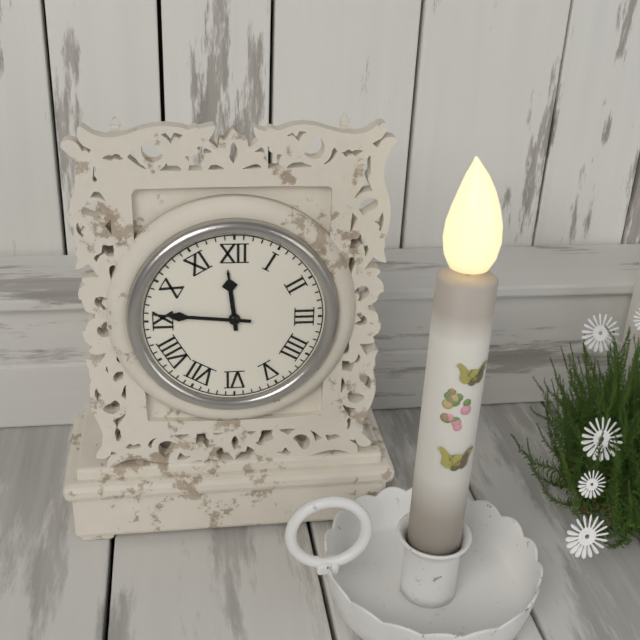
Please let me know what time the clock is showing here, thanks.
11:46
